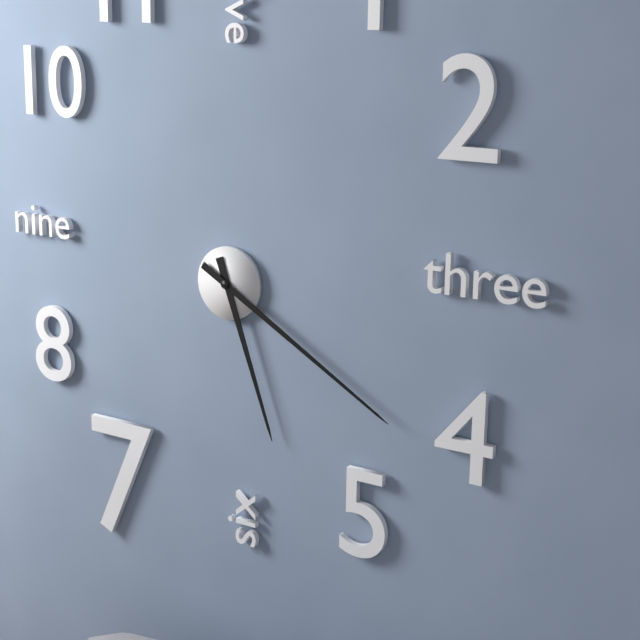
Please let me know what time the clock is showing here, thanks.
5:20
